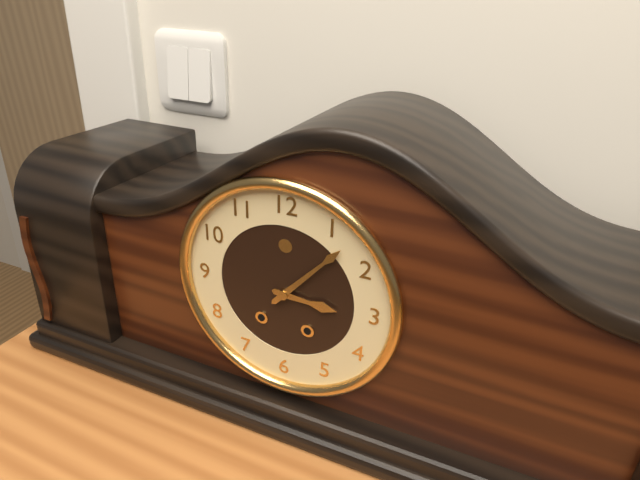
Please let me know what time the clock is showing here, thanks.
3:07
